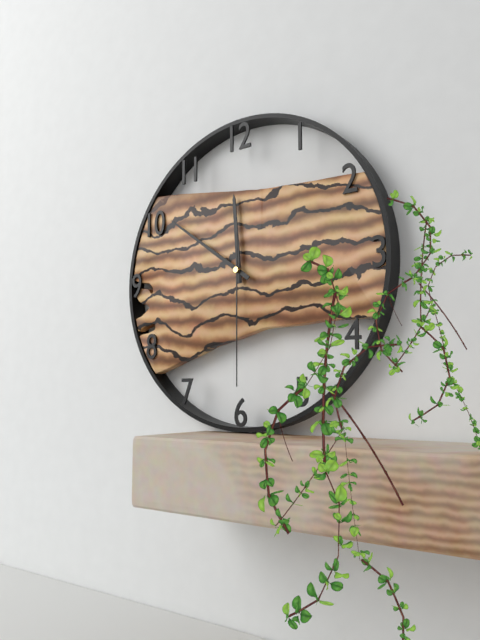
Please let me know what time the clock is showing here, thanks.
11:51:30
